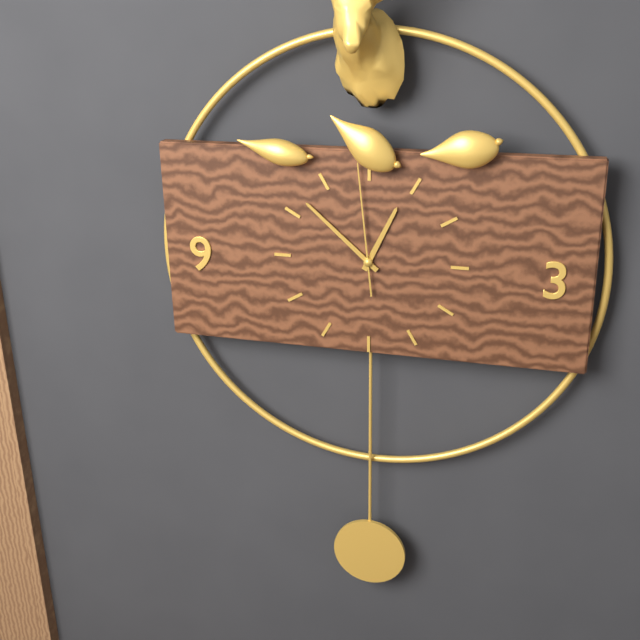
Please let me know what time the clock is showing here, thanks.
12:52:59
